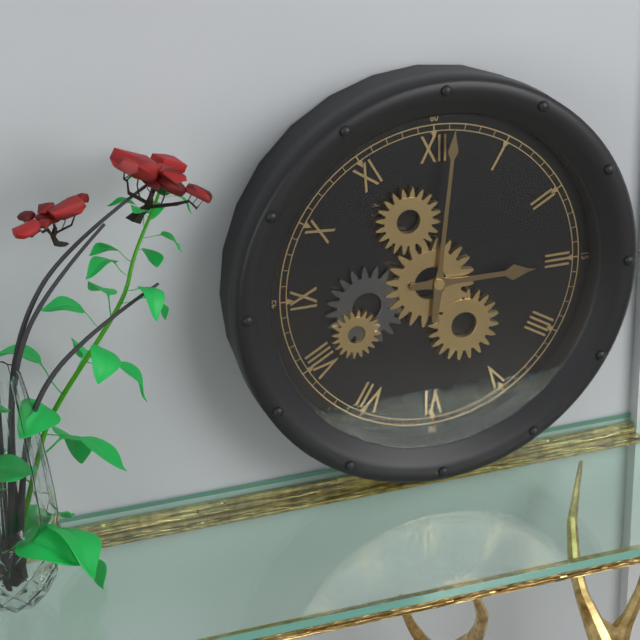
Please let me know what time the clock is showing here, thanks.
3:01
